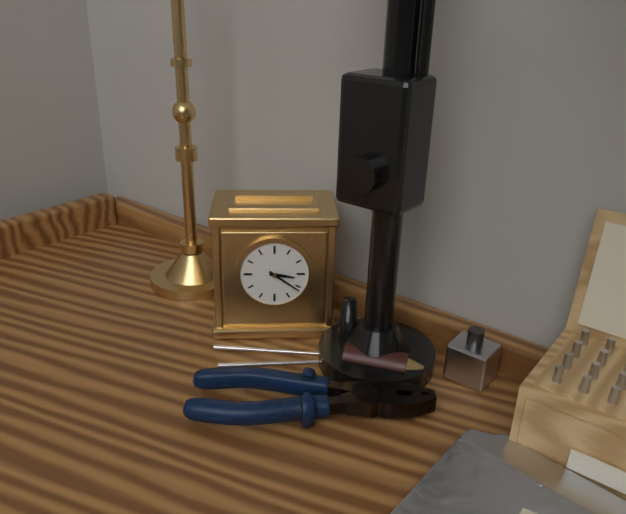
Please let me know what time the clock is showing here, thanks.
3:21
